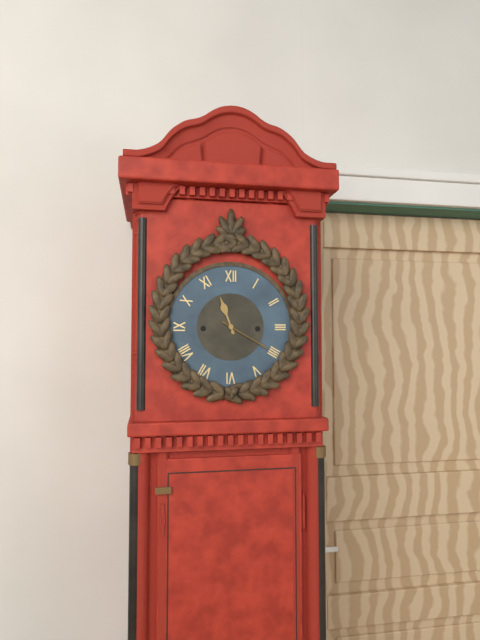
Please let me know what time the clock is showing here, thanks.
11:20
